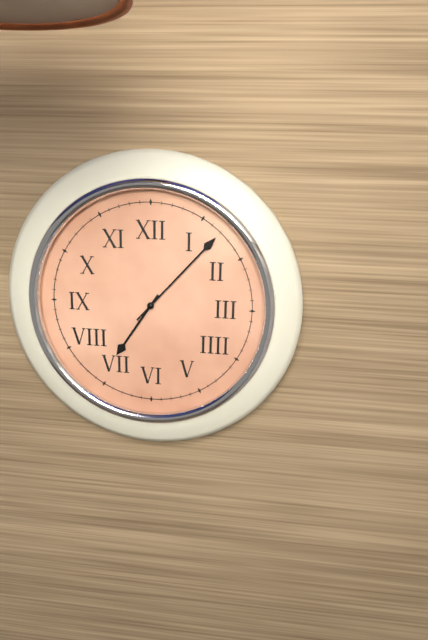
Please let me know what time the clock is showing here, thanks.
7:07
